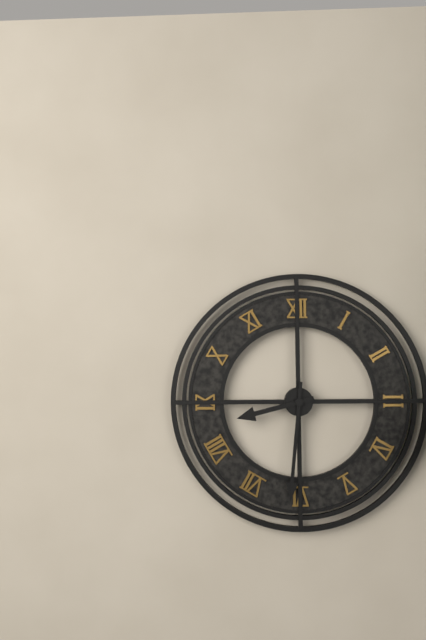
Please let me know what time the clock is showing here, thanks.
8:31
